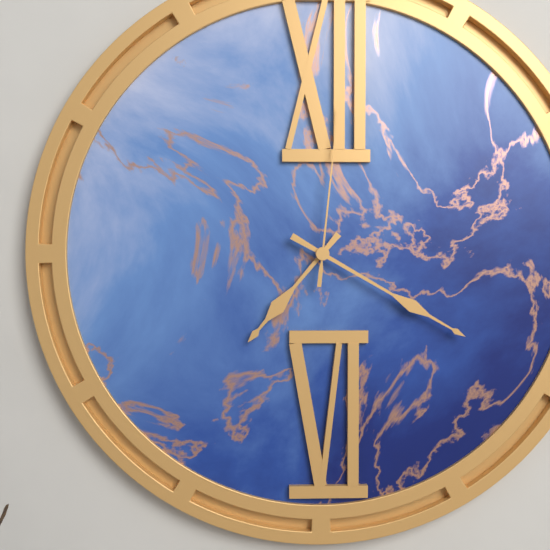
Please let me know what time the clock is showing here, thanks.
7:20:01
